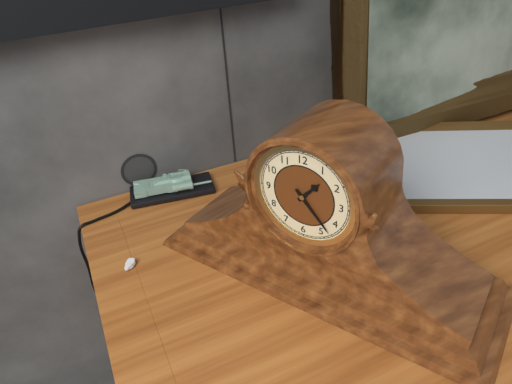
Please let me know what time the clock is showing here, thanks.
1:23
